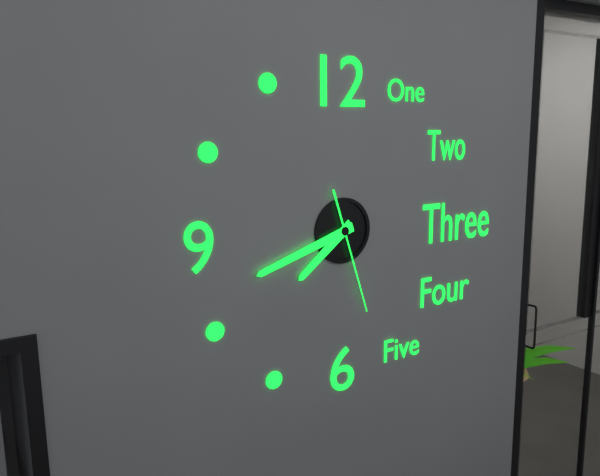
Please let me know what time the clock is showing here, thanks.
7:42:27
